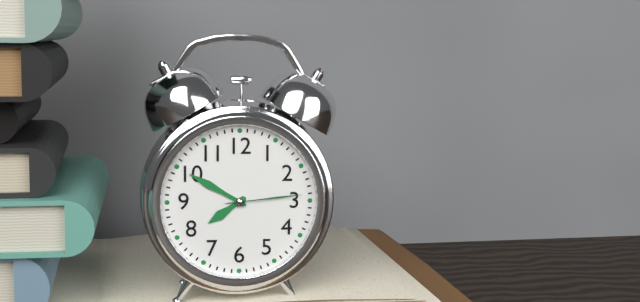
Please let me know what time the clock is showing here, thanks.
7:50:14
